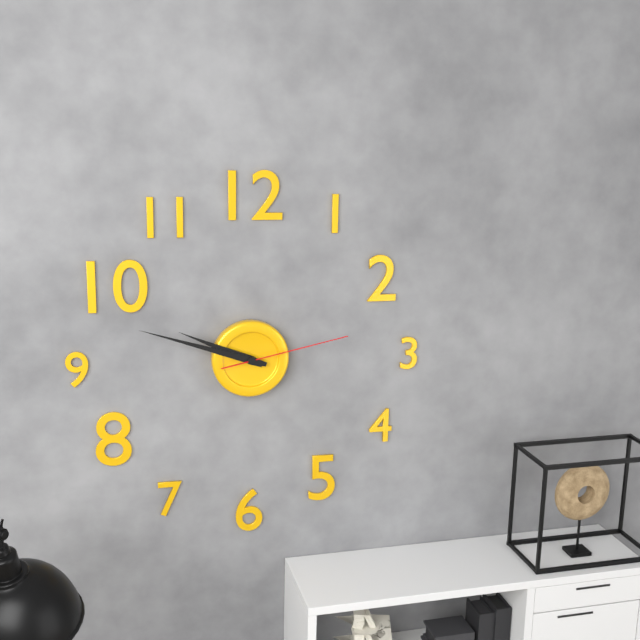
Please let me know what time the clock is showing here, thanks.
9:48:13
